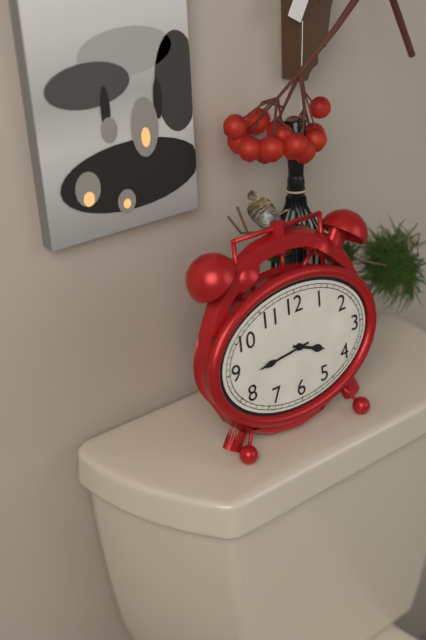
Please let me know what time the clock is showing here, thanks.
3:44
